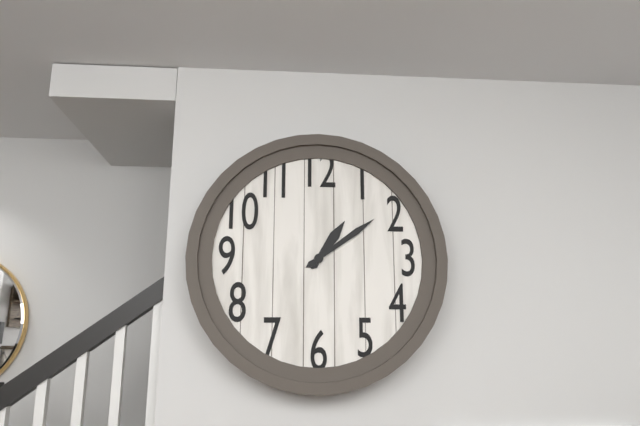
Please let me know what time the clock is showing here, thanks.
1:09
